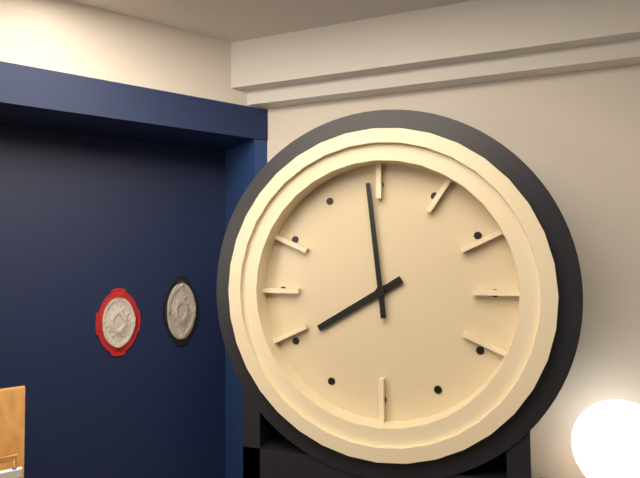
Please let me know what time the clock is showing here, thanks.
7:59
